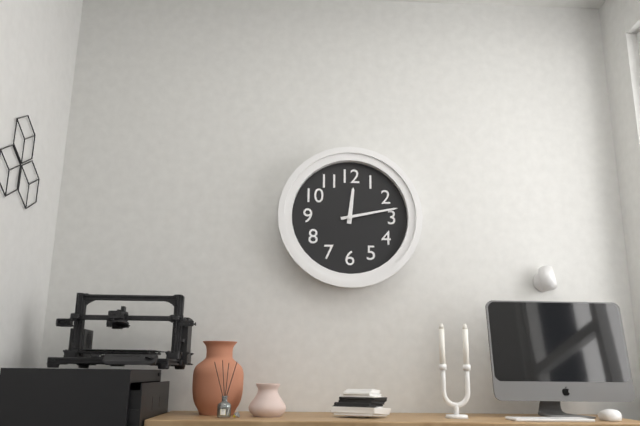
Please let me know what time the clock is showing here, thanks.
12:13
